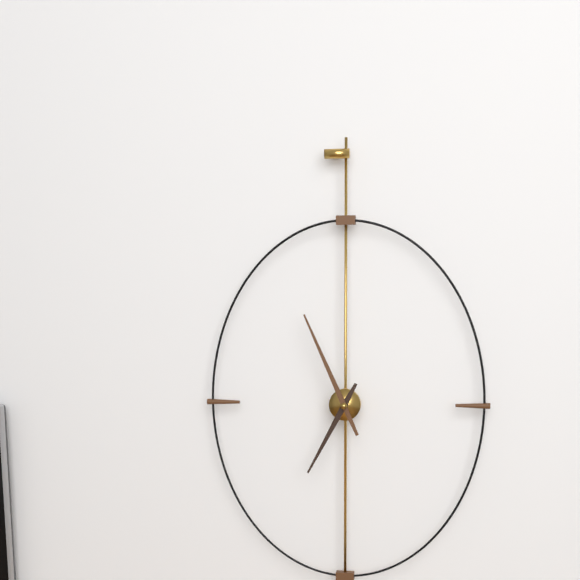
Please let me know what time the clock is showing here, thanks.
6:56
